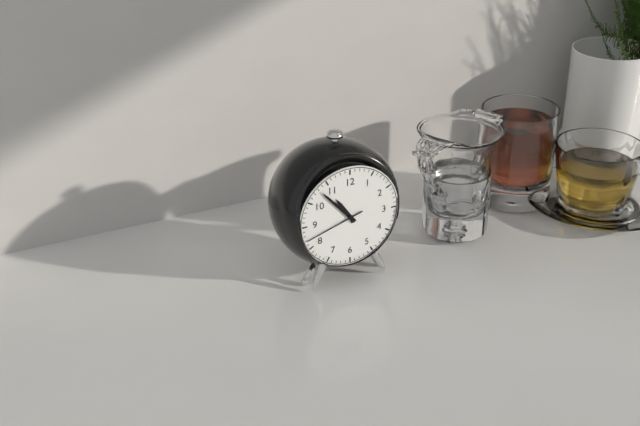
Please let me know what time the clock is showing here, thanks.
10:53:42
